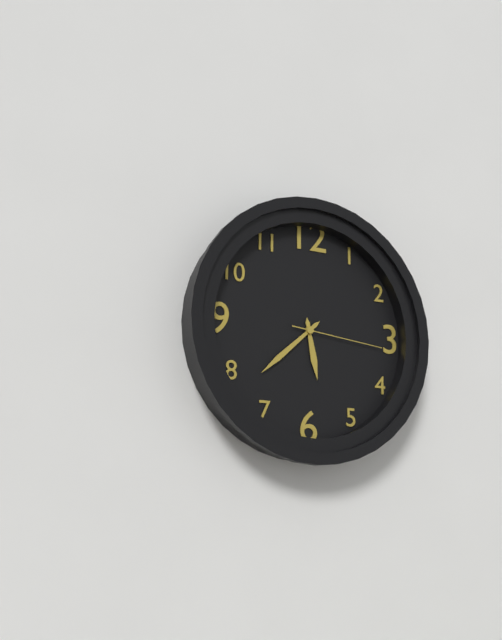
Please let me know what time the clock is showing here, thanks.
5:38:16
